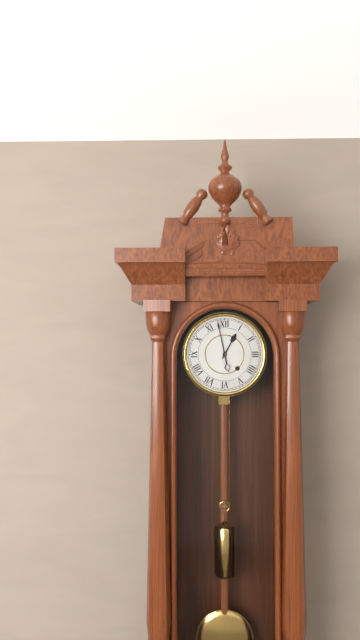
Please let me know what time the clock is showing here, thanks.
12:58
